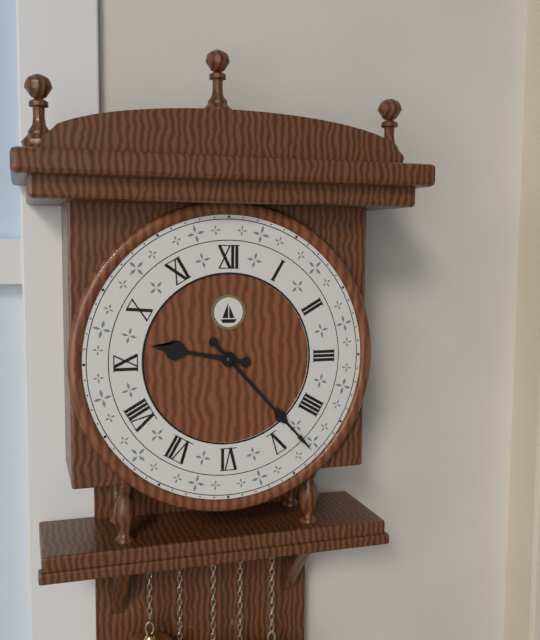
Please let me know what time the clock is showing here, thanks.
9:23
